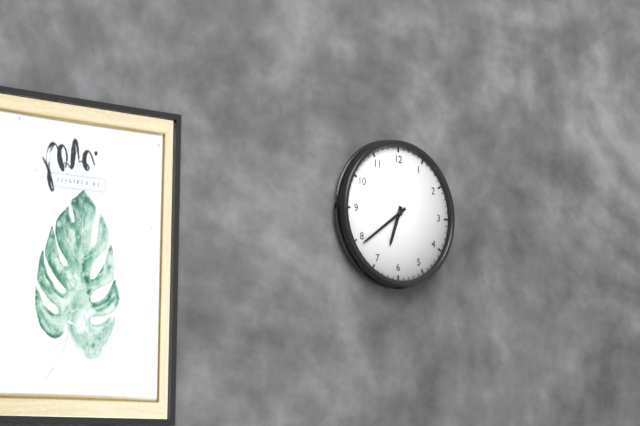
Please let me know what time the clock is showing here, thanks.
6:39
